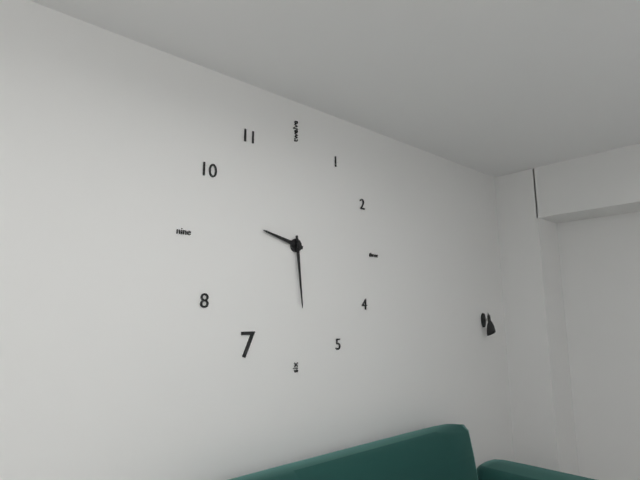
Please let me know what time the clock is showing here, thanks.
9:29
